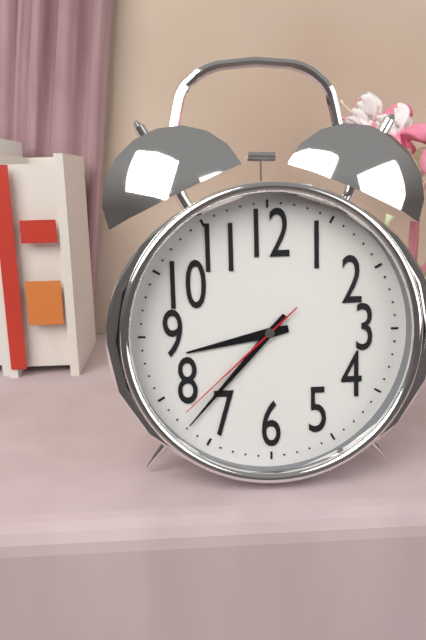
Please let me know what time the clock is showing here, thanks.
8:37:38
